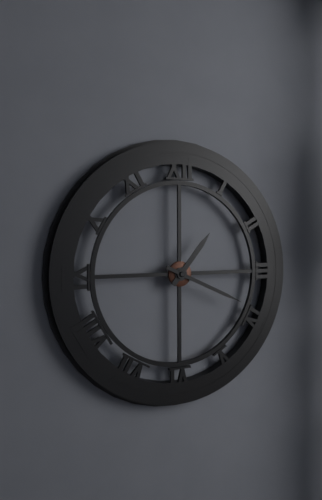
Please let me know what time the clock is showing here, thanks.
1:19
